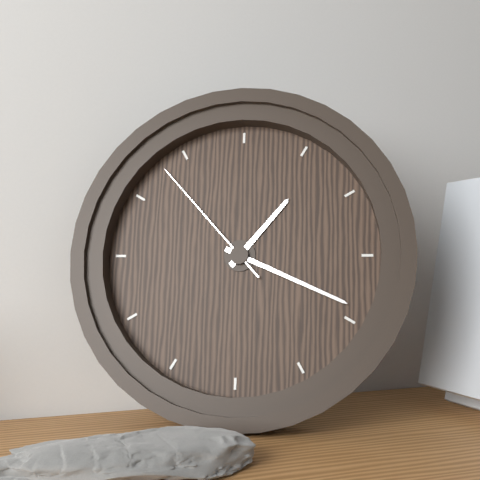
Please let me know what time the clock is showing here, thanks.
1:19:53
